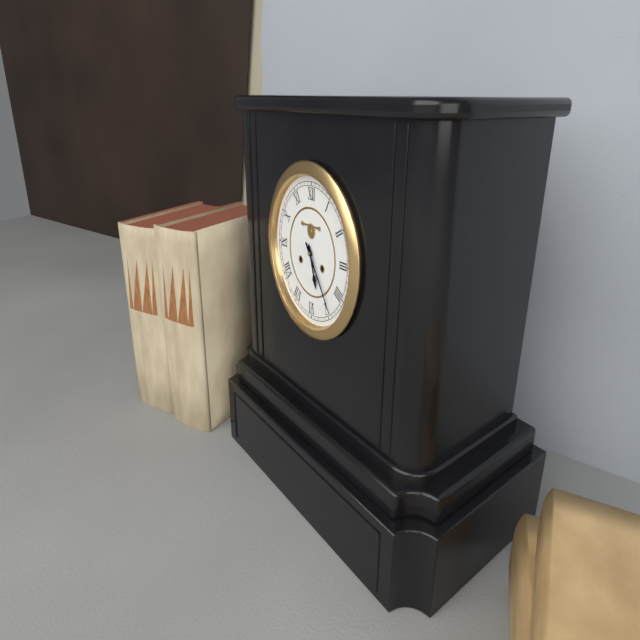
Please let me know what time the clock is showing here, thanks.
5:24
